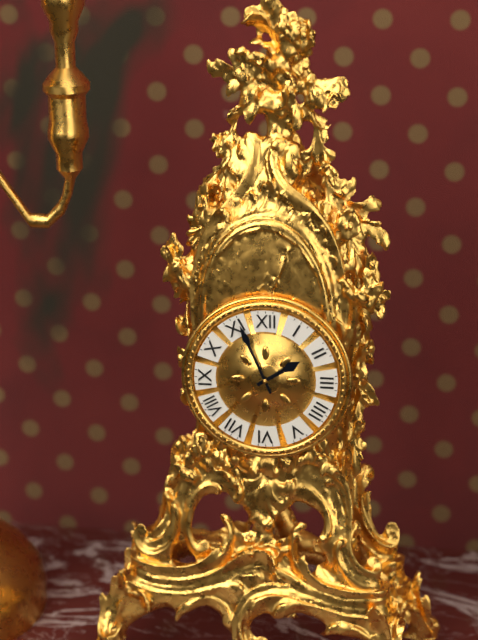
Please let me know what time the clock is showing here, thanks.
1:56
